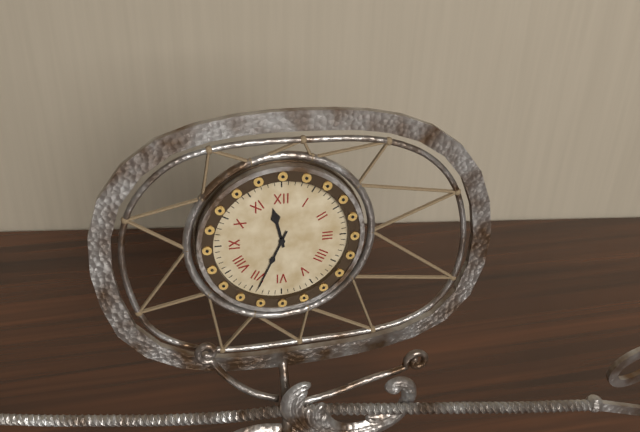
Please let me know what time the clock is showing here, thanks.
11:34
